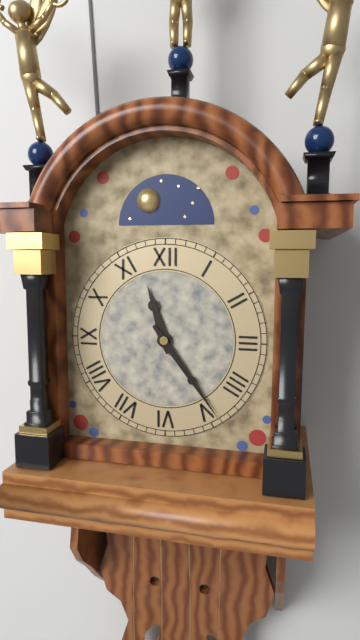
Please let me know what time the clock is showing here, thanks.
11:24
